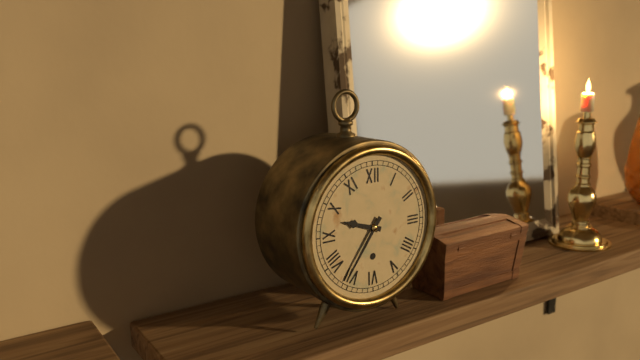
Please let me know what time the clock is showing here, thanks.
9:36
